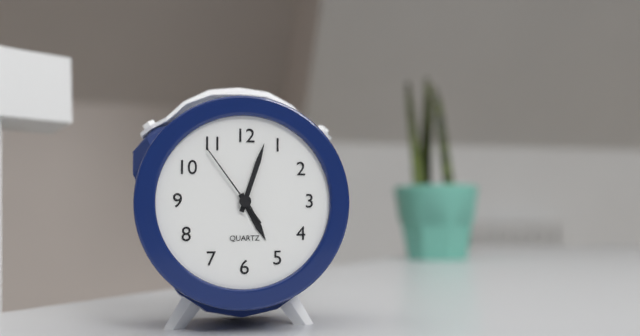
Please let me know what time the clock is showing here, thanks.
5:03:54
